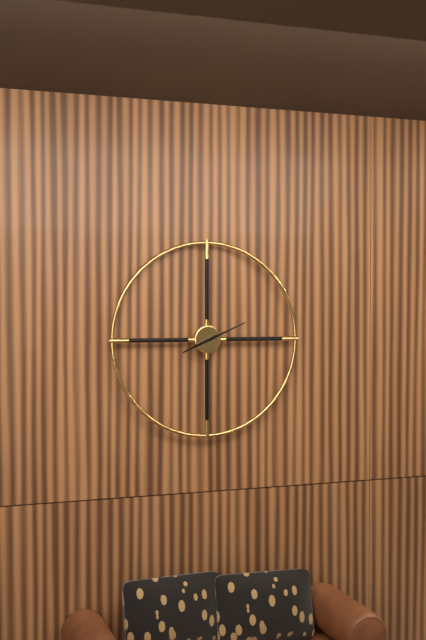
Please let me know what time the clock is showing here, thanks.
8:11
